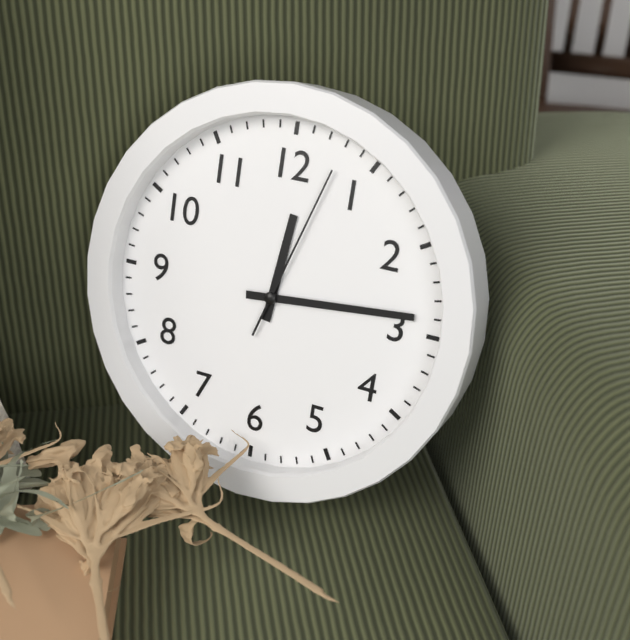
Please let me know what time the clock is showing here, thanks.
12:14:03
